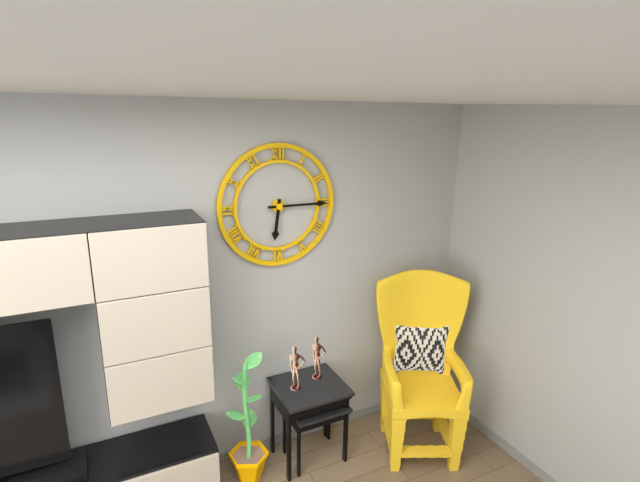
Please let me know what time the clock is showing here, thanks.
6:15
